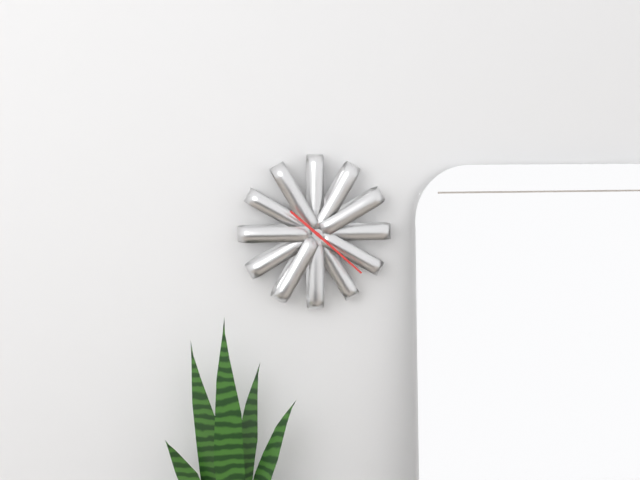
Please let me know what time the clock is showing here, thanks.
10:22
